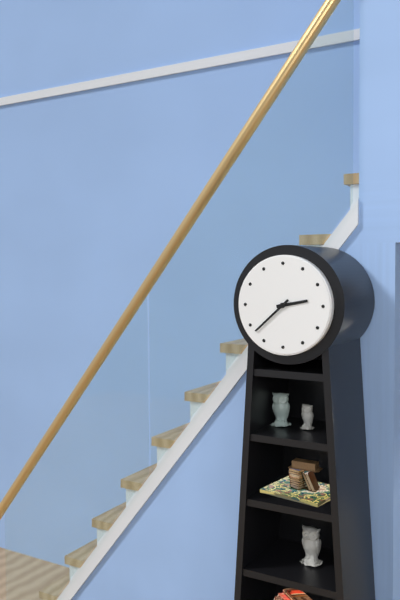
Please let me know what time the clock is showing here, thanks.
2:38
